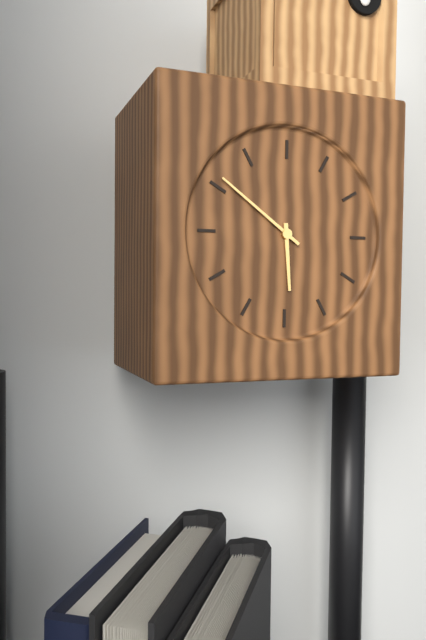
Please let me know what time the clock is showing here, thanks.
5:51
